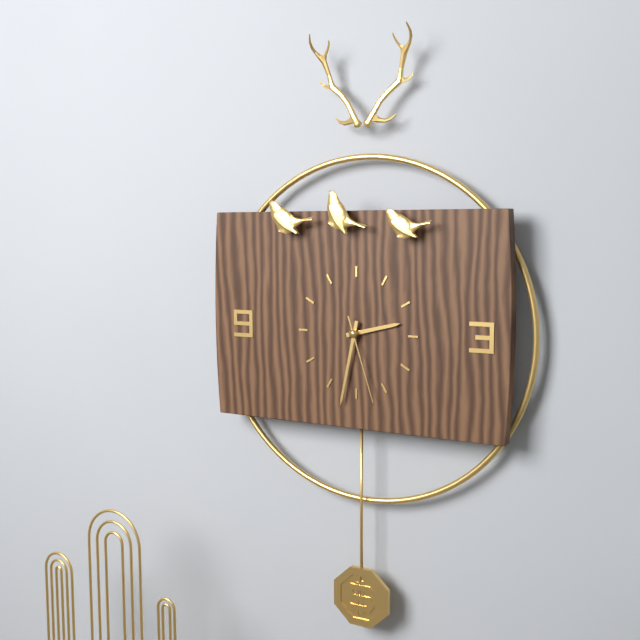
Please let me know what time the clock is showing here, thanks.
2:32:27
